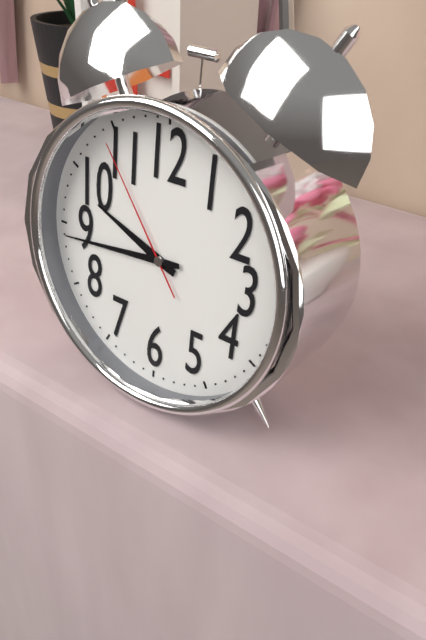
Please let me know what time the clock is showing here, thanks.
9:44:54
